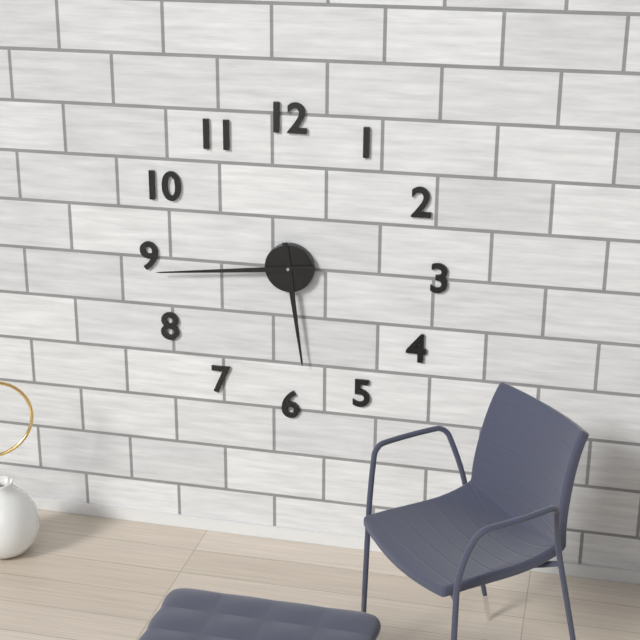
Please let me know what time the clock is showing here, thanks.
5:44
